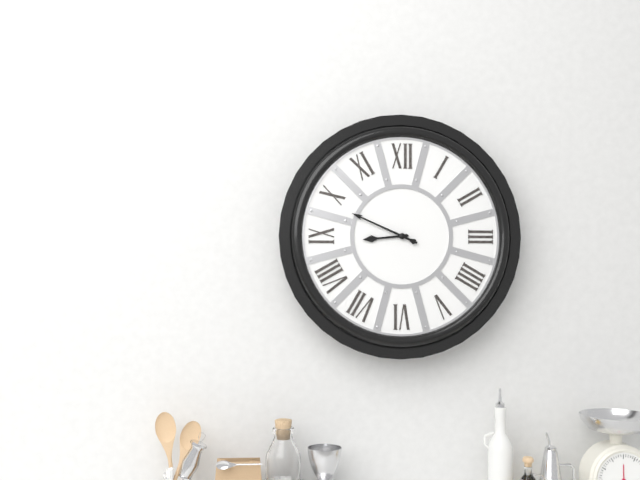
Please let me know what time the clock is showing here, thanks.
8:49
